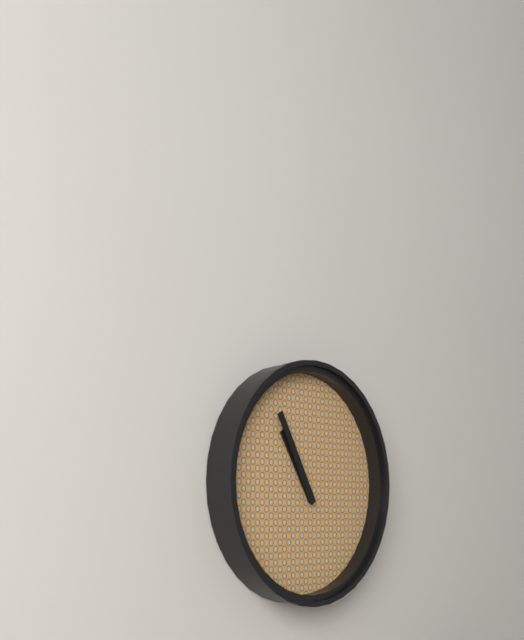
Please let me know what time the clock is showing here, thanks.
10:55
